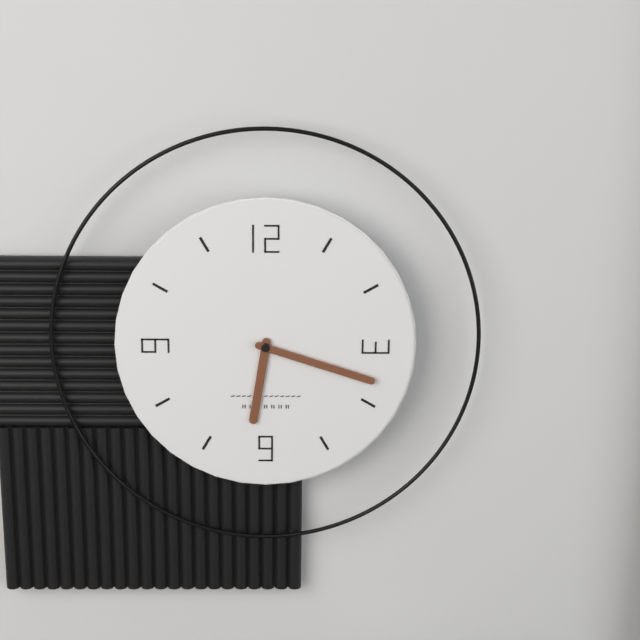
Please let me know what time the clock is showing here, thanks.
6:18
